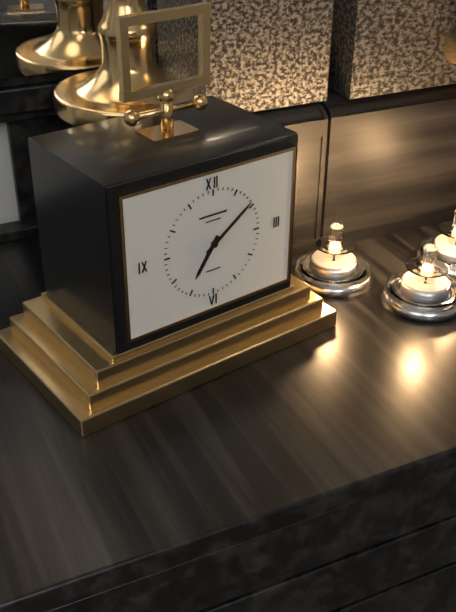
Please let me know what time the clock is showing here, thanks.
7:09
